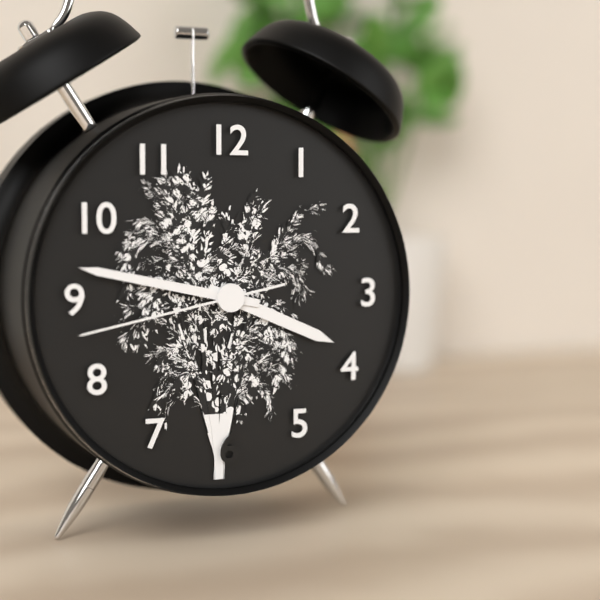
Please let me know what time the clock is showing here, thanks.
3:47:43
